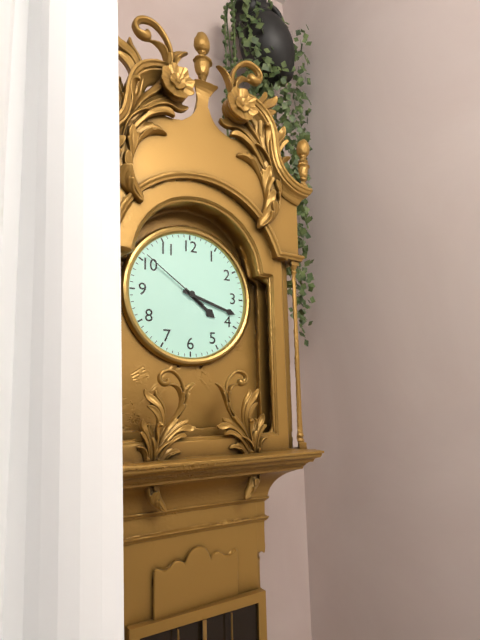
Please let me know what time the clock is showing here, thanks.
4:18:51
